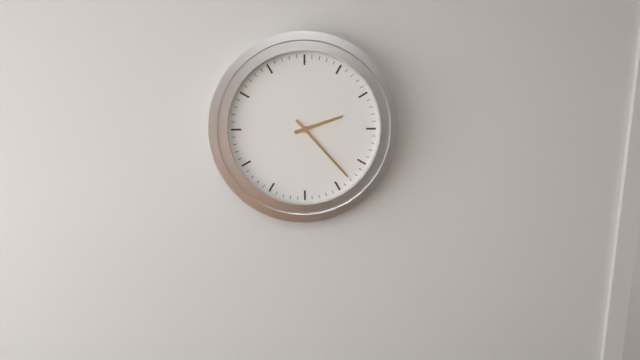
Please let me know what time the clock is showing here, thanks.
2:23
